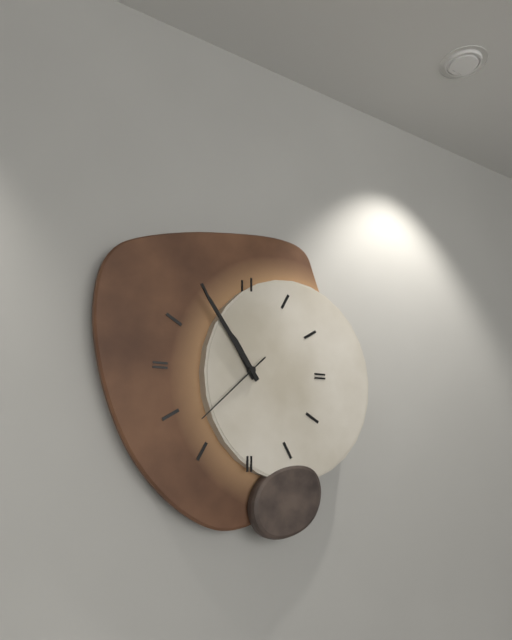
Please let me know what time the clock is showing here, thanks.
10:54:38
